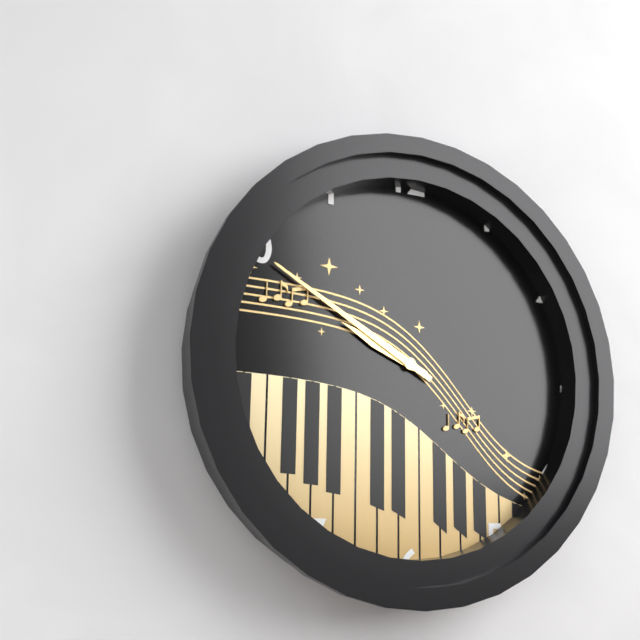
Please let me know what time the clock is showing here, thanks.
9:50
